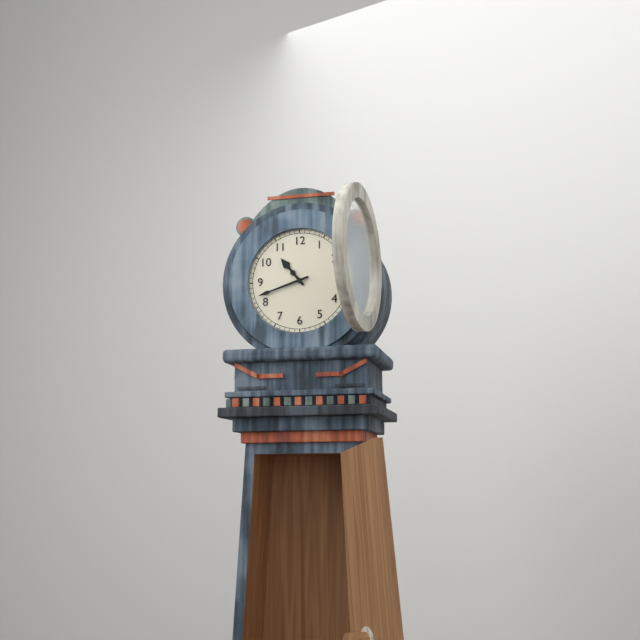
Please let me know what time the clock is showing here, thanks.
10:42
